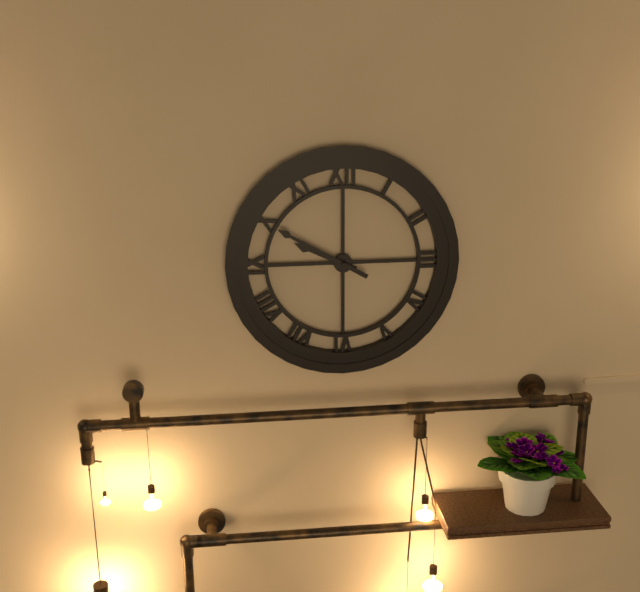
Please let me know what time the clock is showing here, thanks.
9:50
